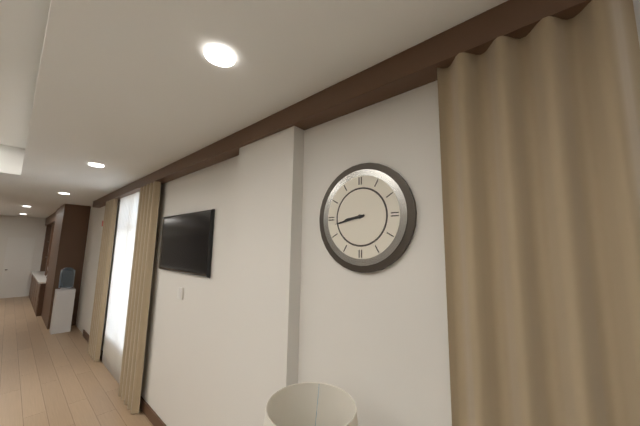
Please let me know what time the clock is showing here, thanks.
8:43
